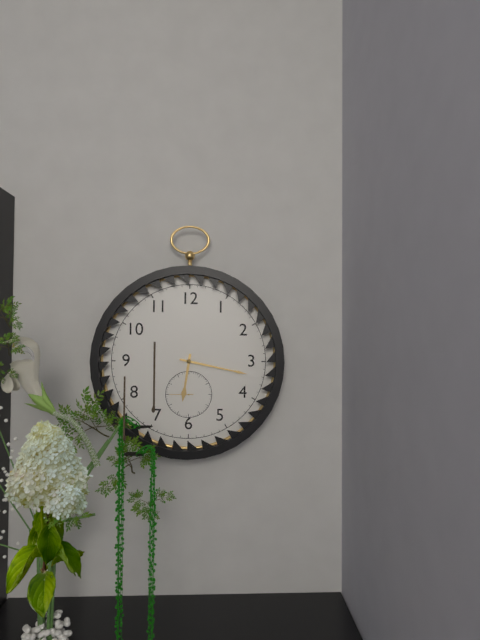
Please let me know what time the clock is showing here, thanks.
6:17
